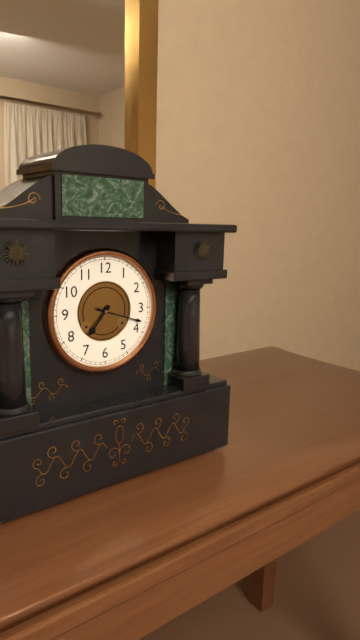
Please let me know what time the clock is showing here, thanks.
7:18
